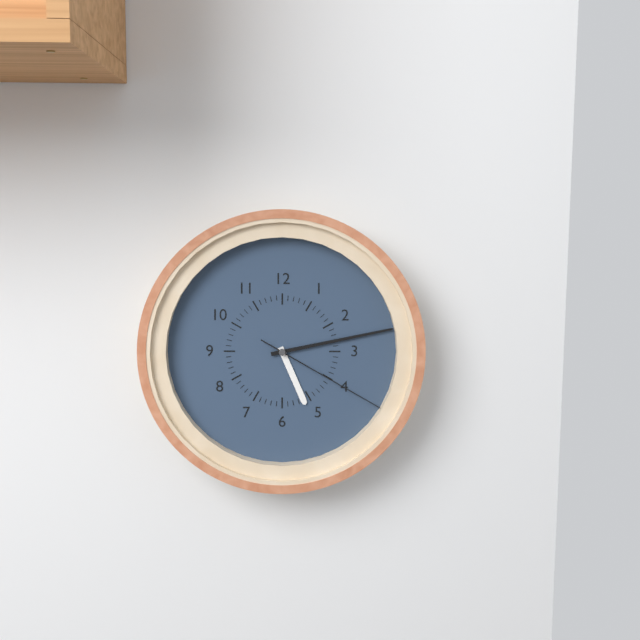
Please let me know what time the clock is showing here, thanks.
5:13:20
